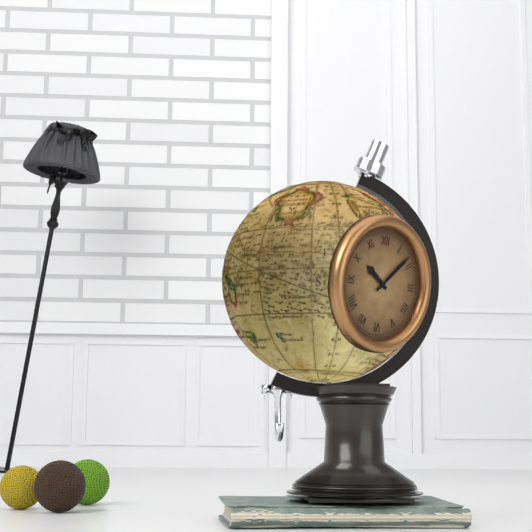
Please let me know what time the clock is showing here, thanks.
10:08
